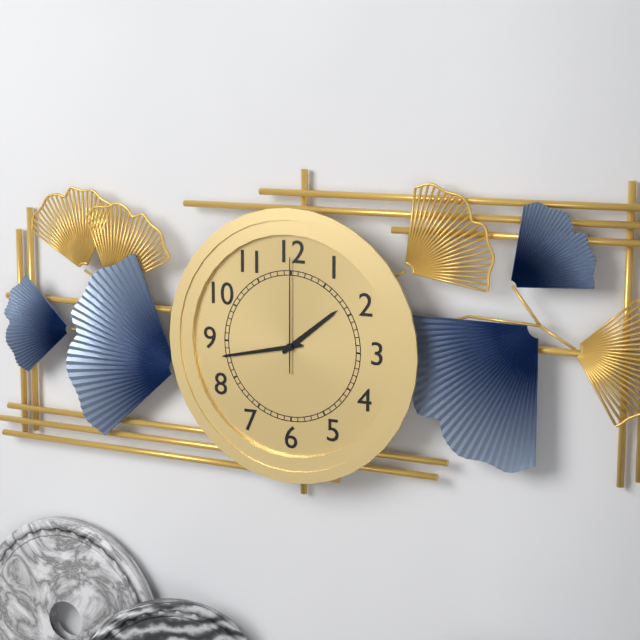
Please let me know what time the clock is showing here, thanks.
1:43:00
